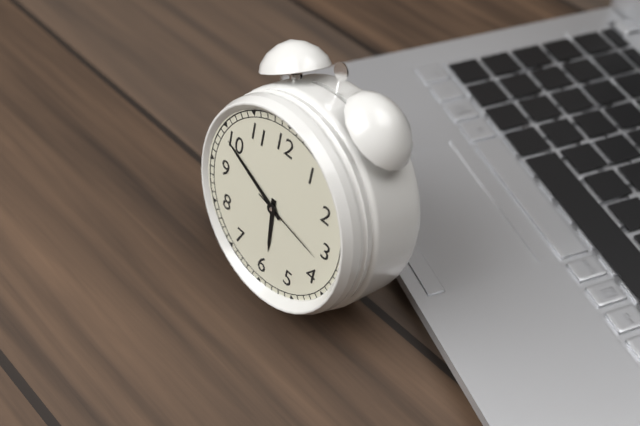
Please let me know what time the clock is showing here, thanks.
5:49:17
